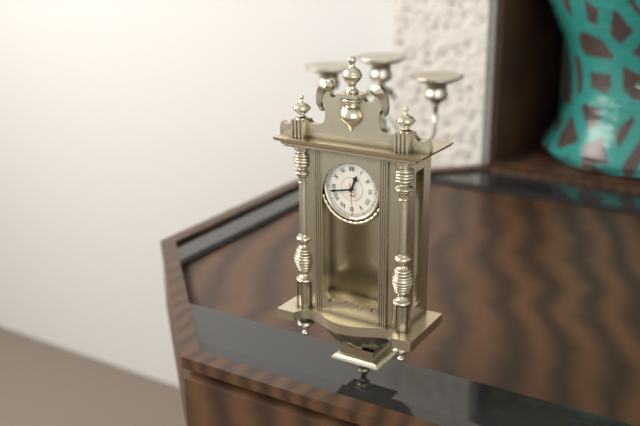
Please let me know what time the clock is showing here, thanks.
12:43
